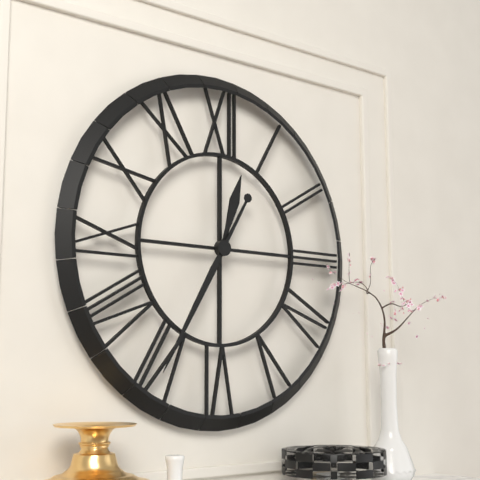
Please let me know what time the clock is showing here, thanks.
12:35
